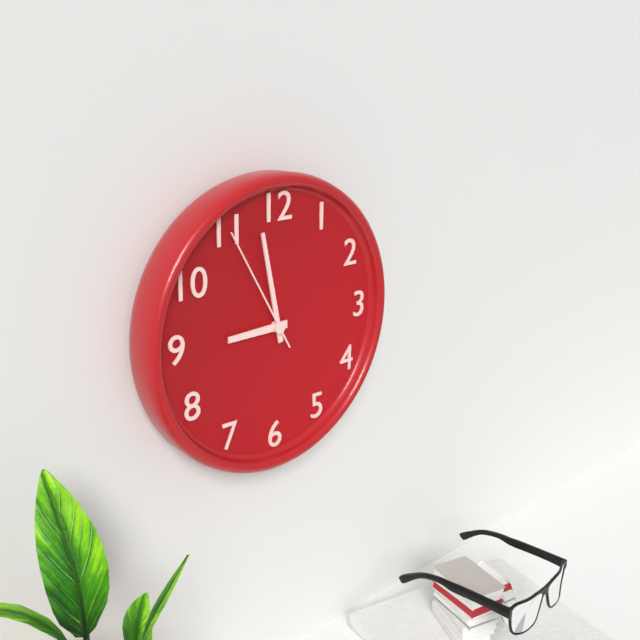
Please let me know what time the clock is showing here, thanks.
8:58:55
